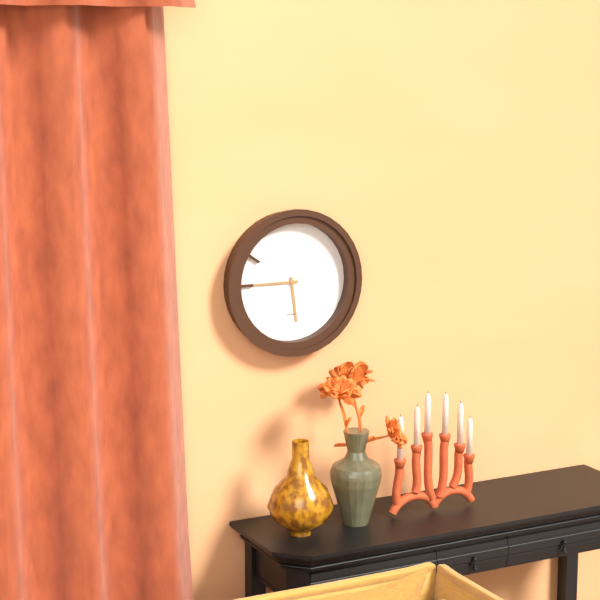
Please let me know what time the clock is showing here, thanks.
5:45
